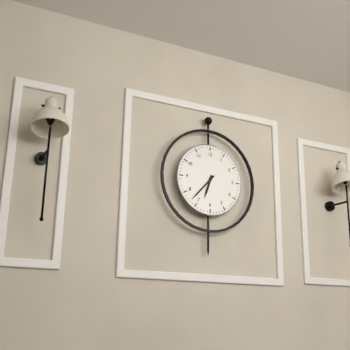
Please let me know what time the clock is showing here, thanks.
6:37
